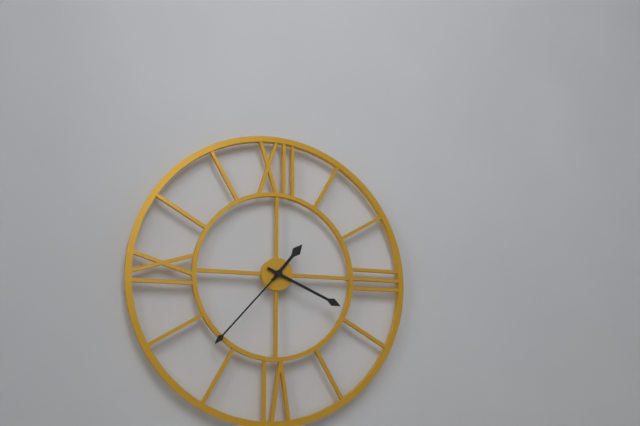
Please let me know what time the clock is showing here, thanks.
1:19:37
